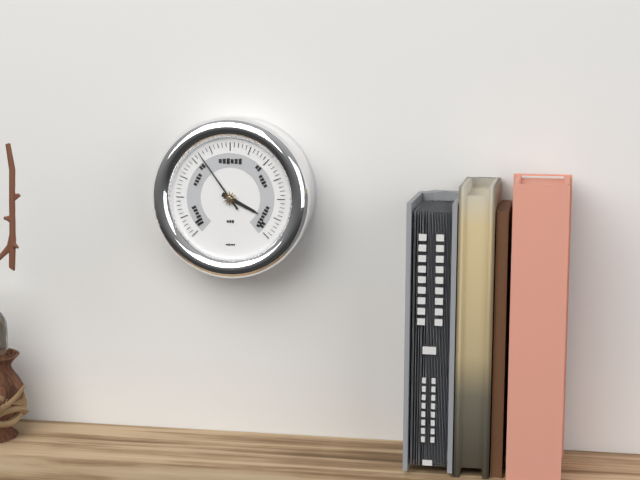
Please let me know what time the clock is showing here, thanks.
3:54
